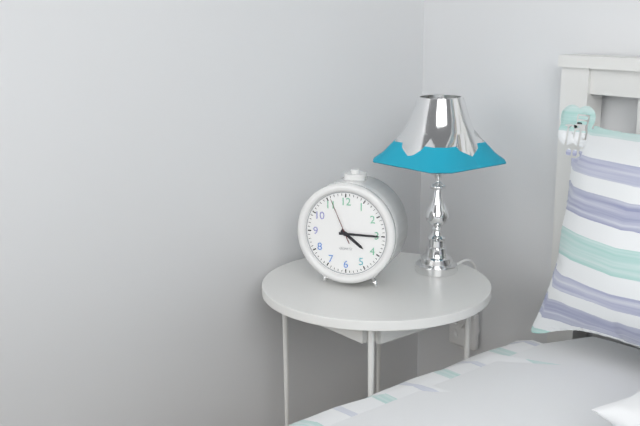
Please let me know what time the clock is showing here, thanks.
4:15
